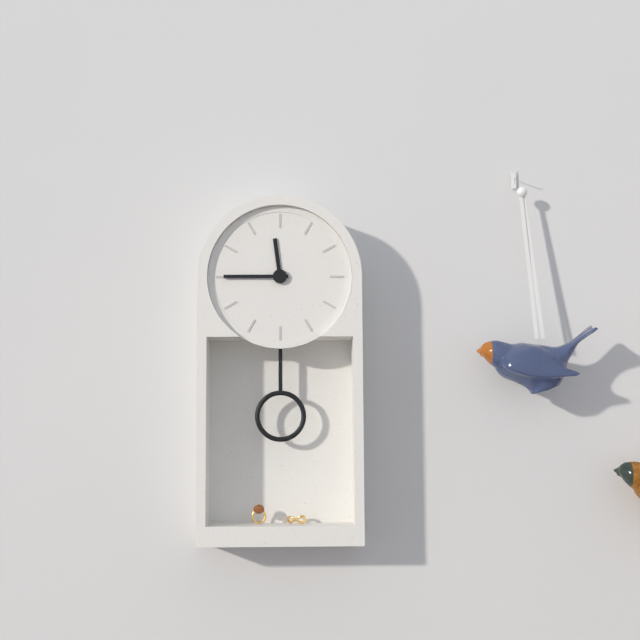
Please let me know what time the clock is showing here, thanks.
11:45
